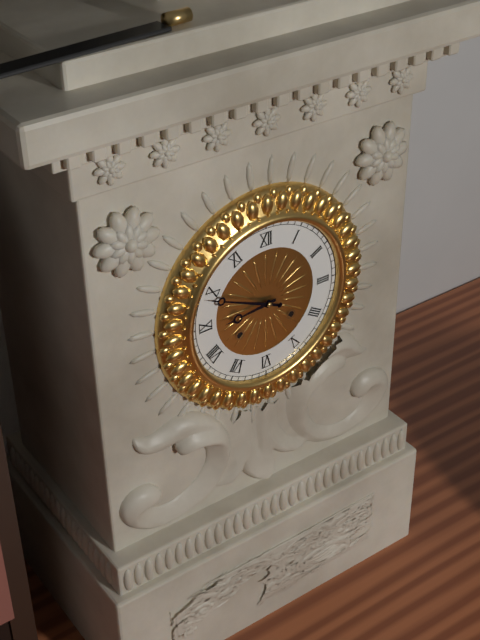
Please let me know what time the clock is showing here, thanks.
8:49
